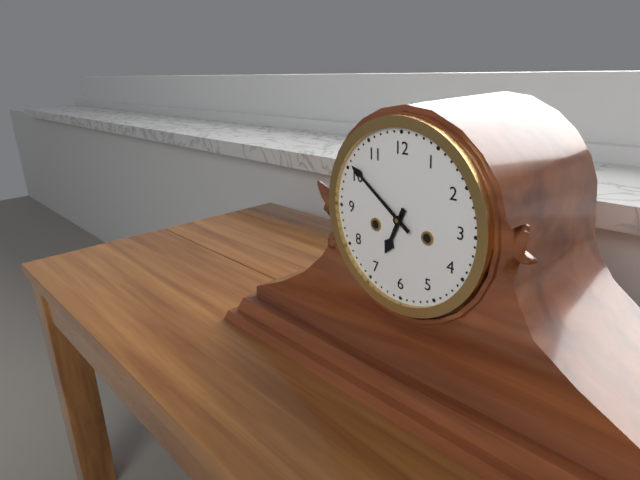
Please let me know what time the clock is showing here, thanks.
6:51
